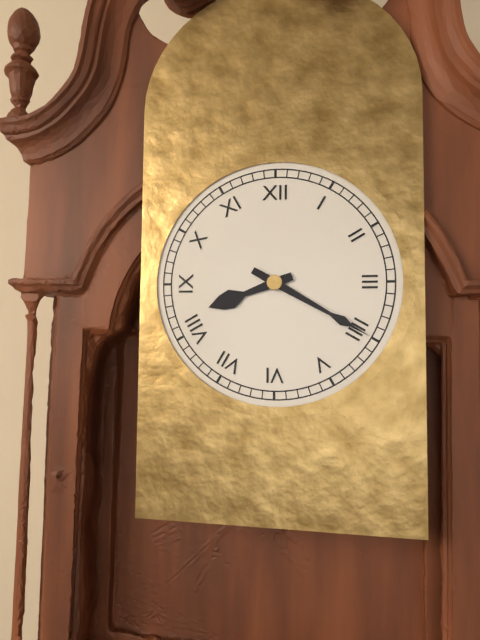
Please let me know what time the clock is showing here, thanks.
8:20
